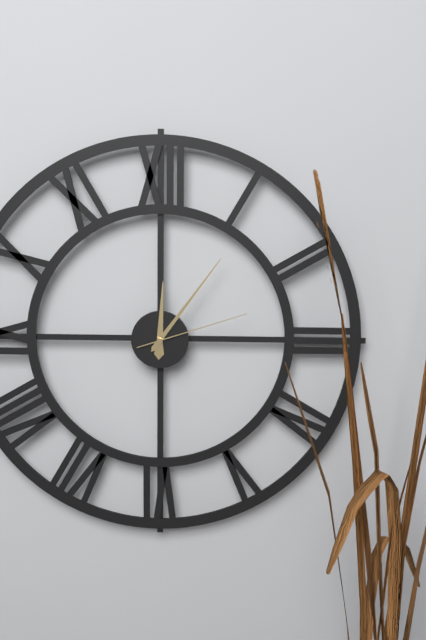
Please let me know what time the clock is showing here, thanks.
12:06:12
